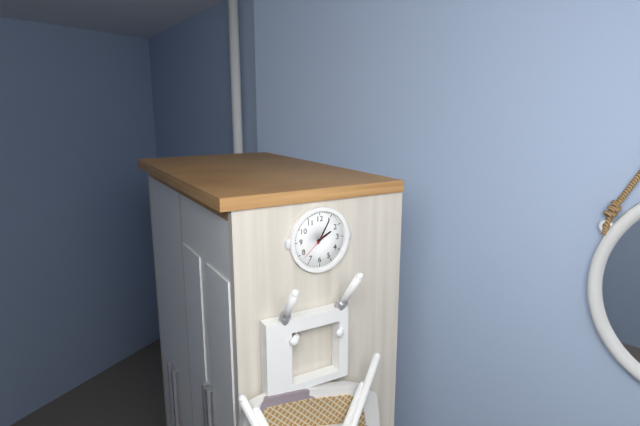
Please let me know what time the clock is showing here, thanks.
2:05
